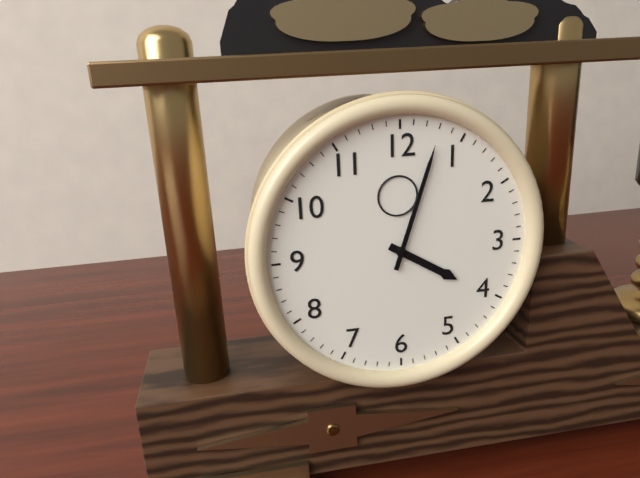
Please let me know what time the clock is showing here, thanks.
4:03
